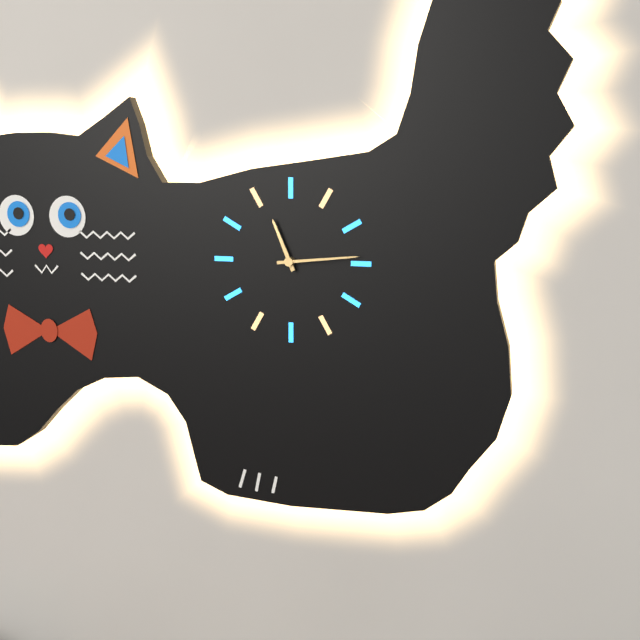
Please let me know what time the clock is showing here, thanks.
11:14
